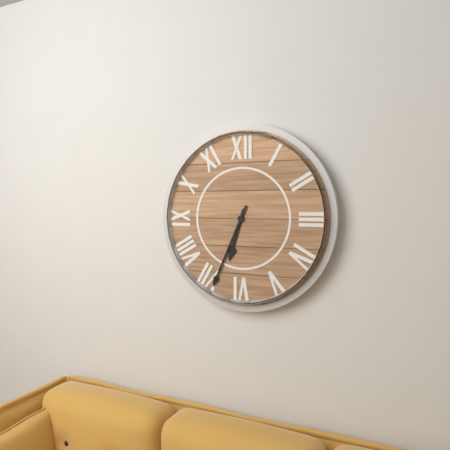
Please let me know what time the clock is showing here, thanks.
6:34
